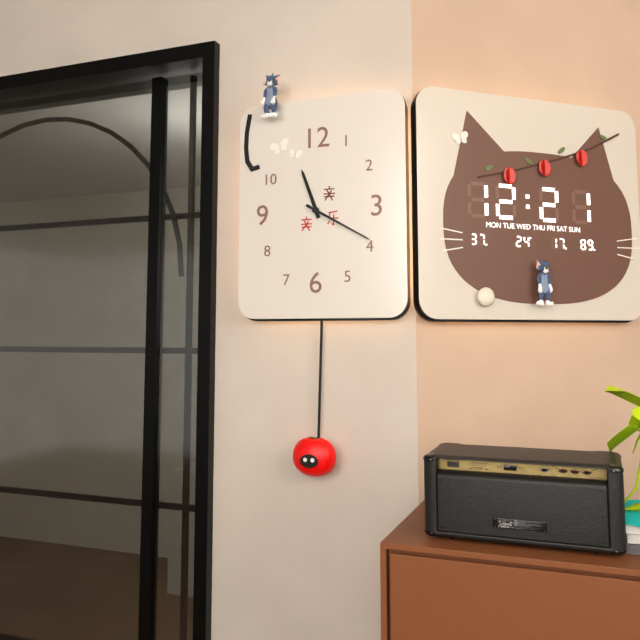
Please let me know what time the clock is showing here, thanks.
11:20
